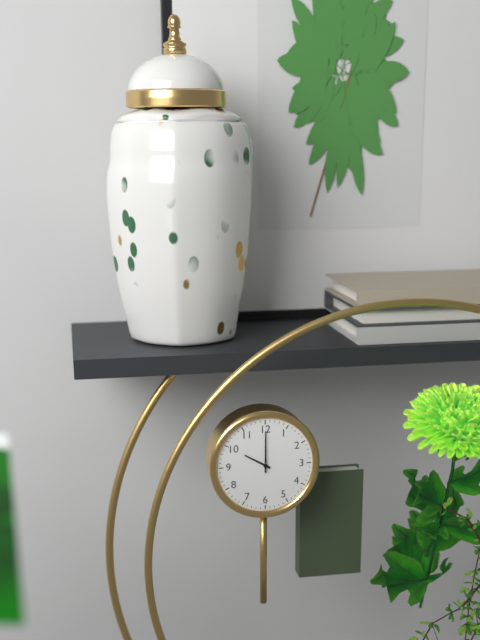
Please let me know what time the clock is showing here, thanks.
10:00
